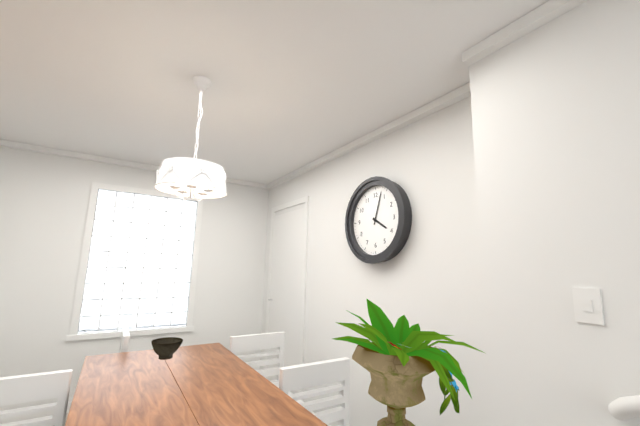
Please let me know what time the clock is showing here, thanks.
4:03
